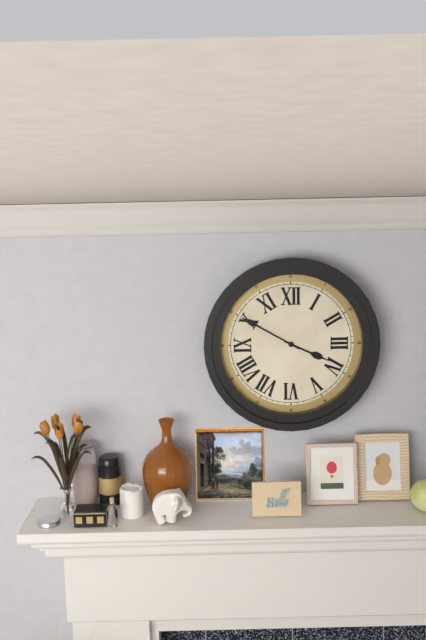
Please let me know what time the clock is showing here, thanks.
3:50
